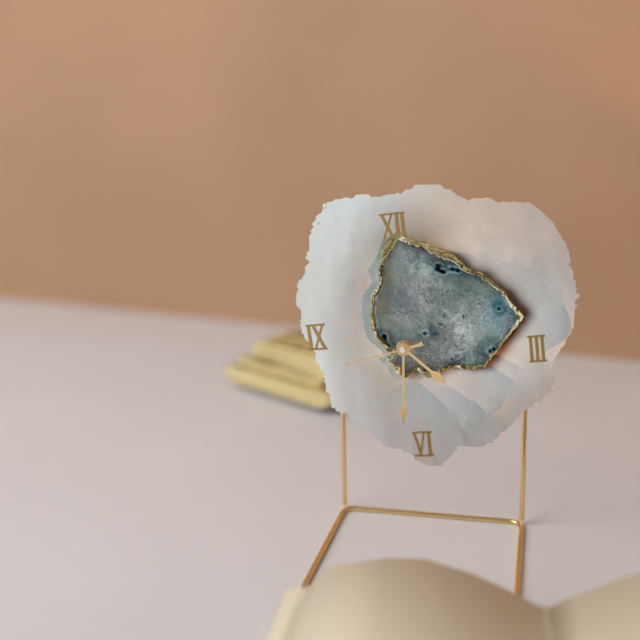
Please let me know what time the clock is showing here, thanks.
4:31:43
